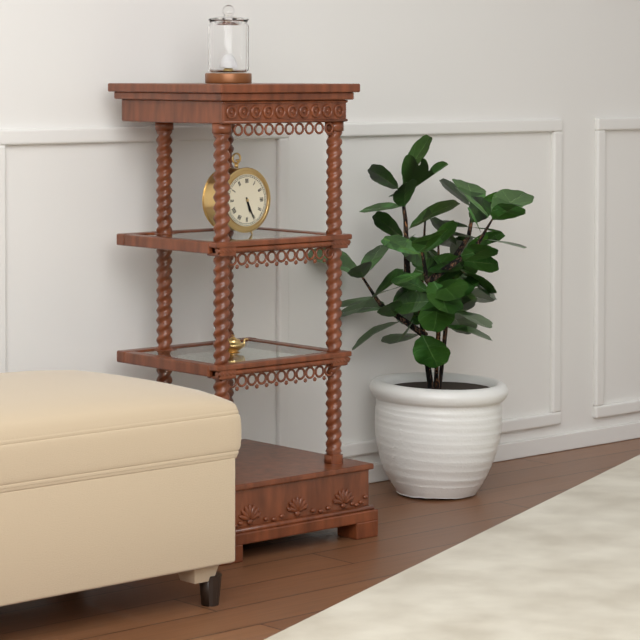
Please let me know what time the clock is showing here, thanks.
5:26
